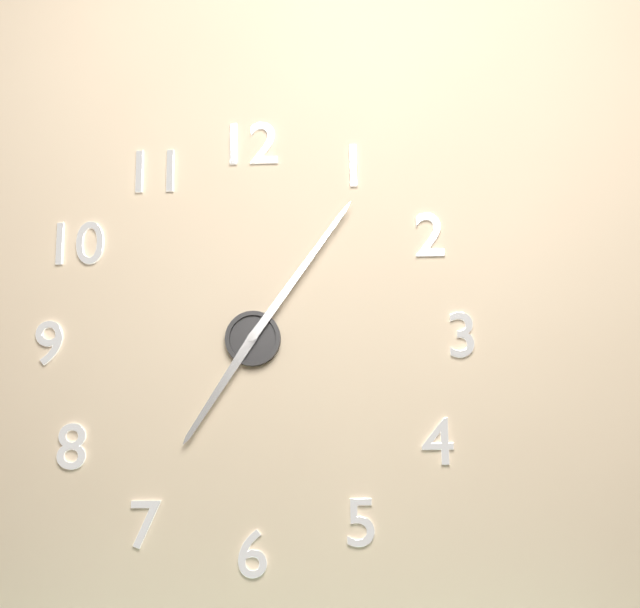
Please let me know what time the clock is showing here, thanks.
7:06
